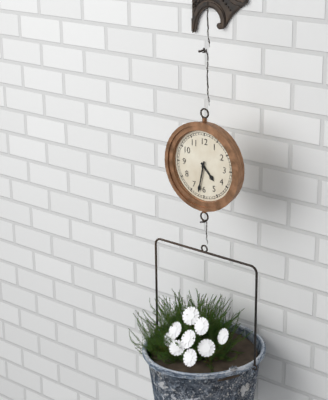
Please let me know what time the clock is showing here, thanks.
4:32
